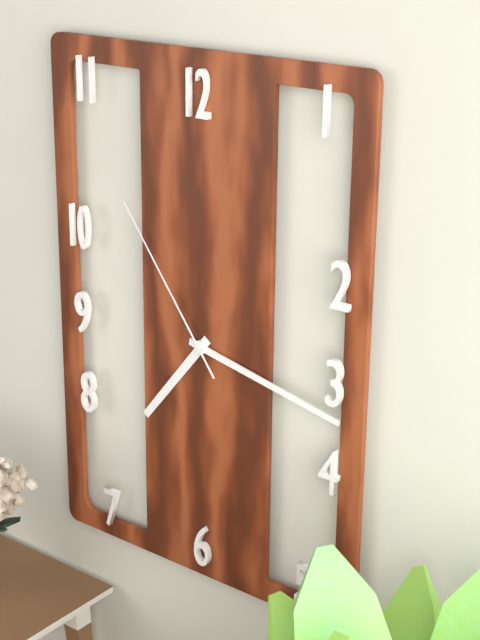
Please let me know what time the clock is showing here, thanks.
7:17:54
